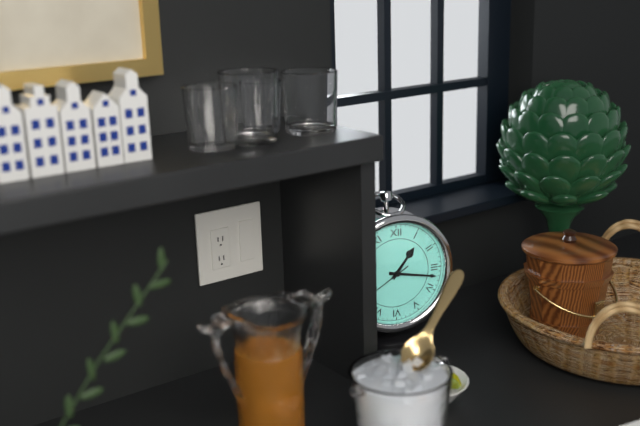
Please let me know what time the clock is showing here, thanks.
1:17
